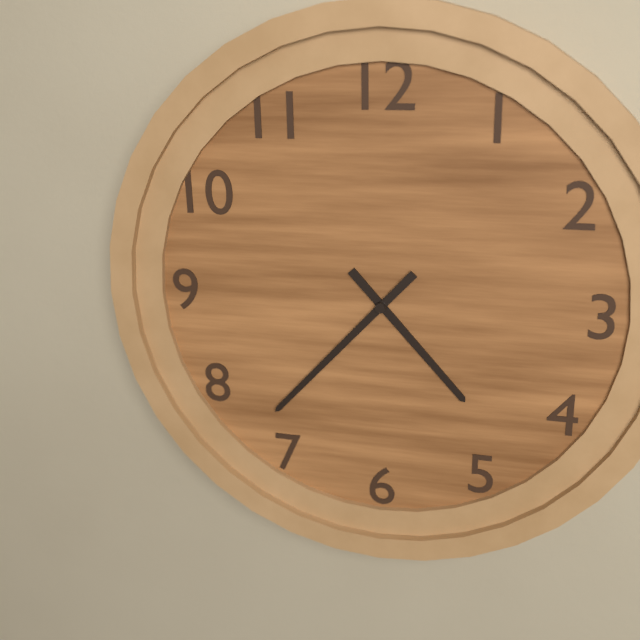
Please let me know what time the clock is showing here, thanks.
4:37
